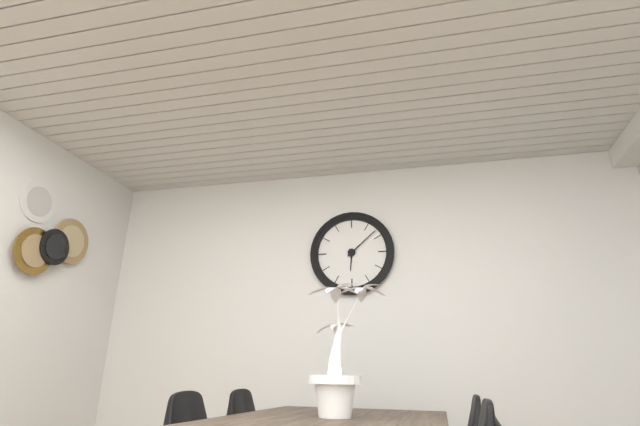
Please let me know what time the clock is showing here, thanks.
6:08
